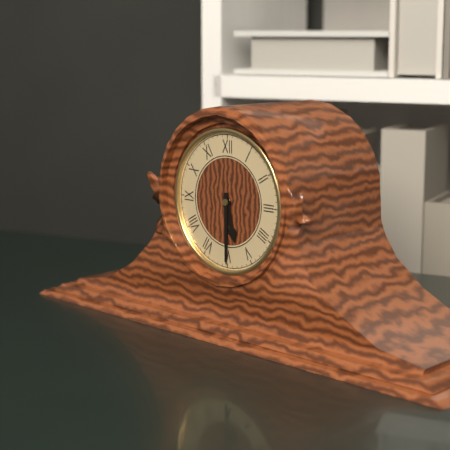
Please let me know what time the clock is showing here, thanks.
5:30
